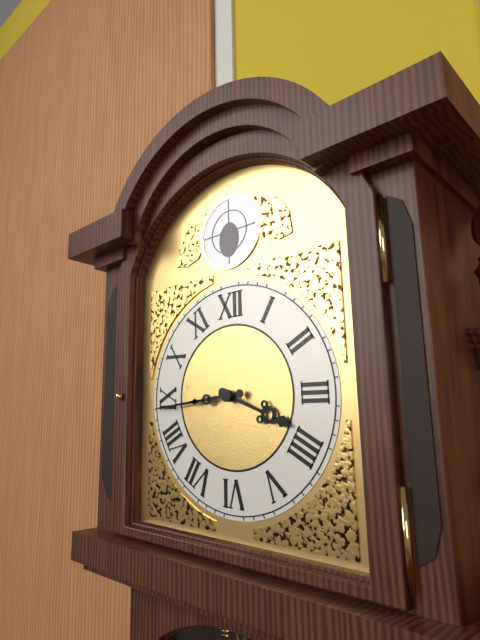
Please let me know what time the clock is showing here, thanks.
3:44
